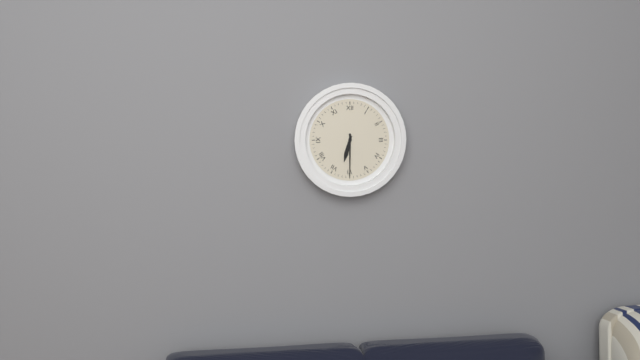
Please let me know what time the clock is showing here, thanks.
6:30
